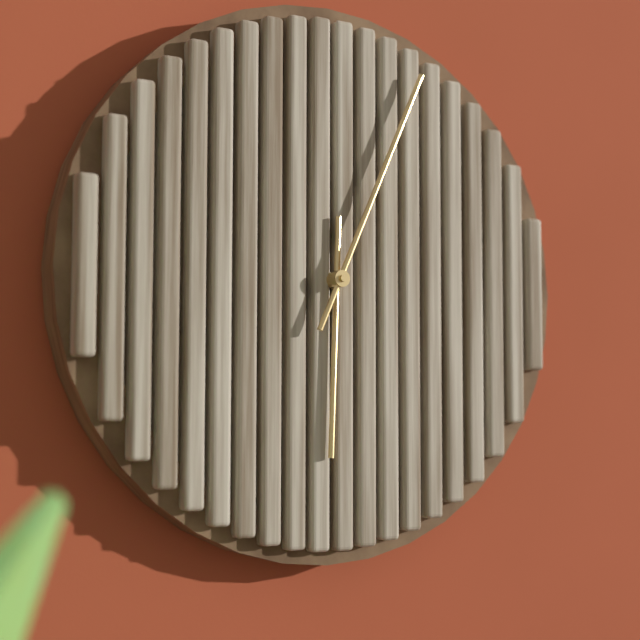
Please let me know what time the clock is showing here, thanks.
6:04
